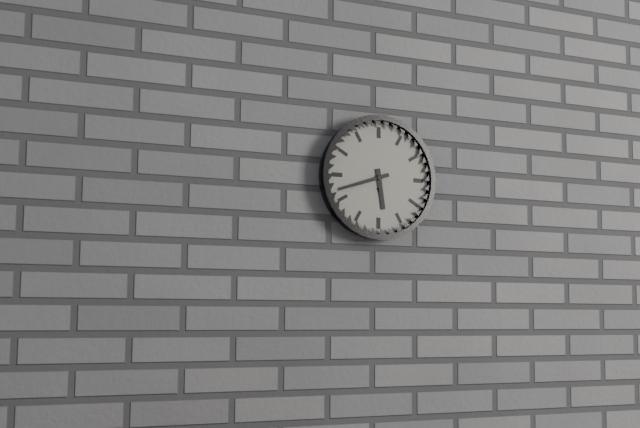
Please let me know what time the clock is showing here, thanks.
5:42
